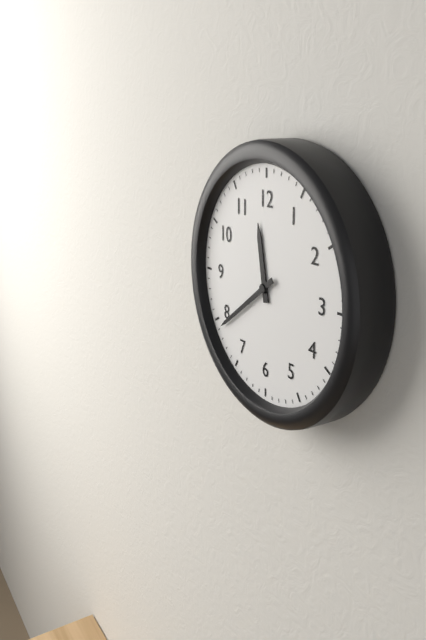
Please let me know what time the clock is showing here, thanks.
11:39
